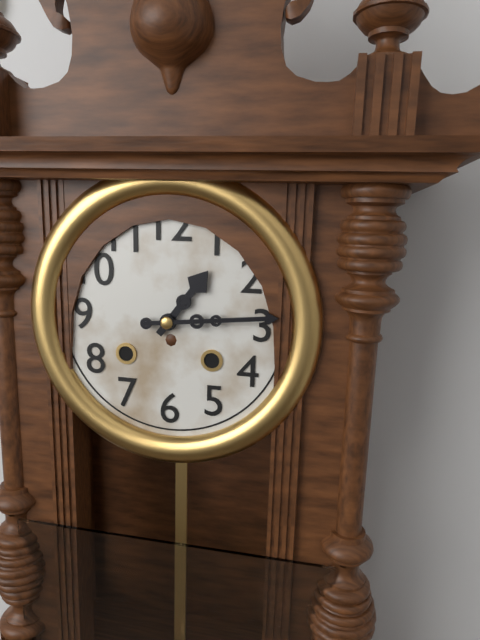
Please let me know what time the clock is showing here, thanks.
1:14
